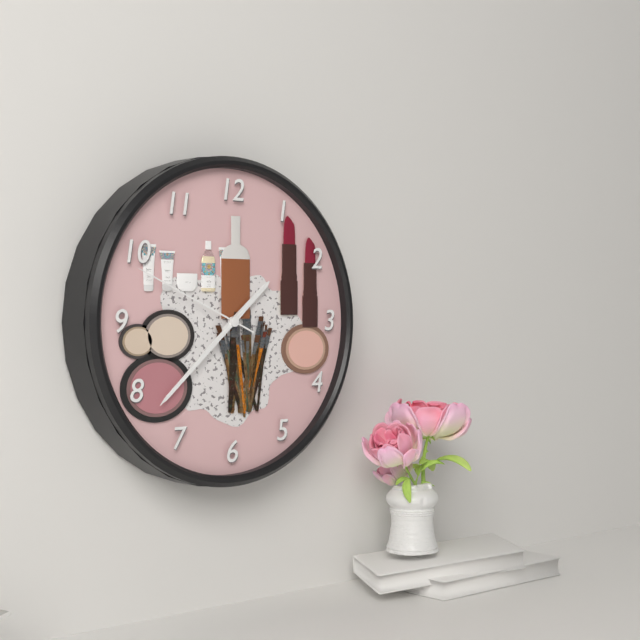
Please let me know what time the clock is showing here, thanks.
1:38:49
